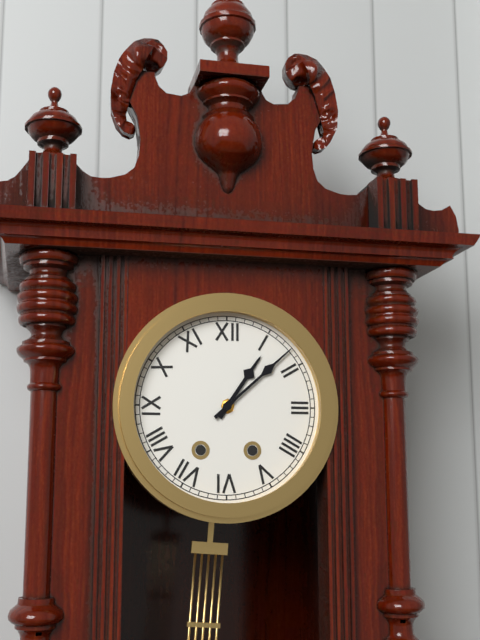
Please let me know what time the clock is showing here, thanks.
1:08
